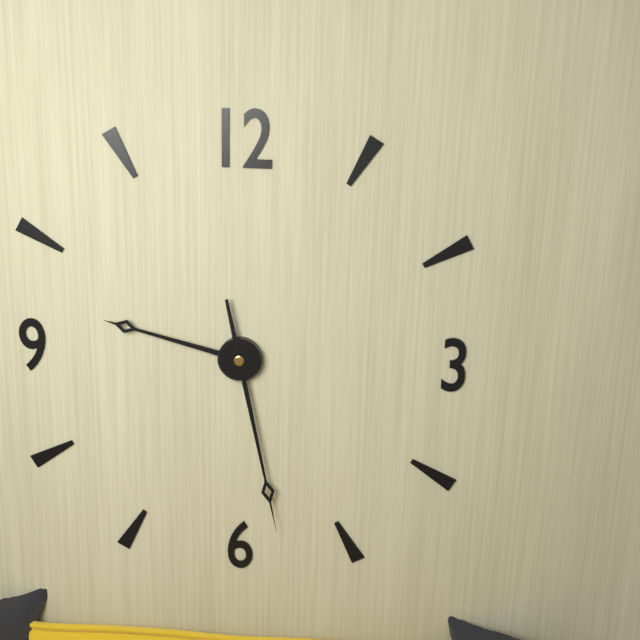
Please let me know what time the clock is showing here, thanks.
9:28
